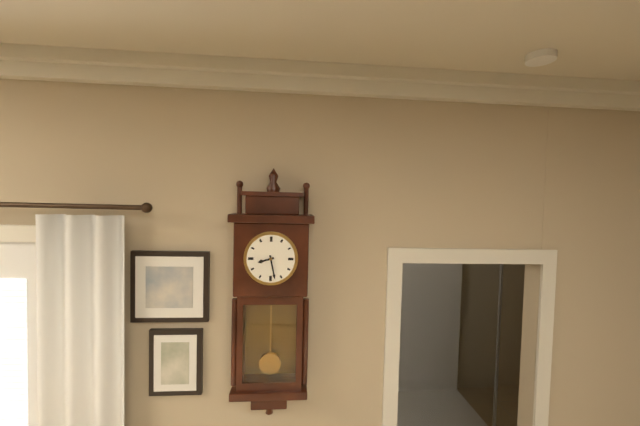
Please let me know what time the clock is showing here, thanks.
8:28
